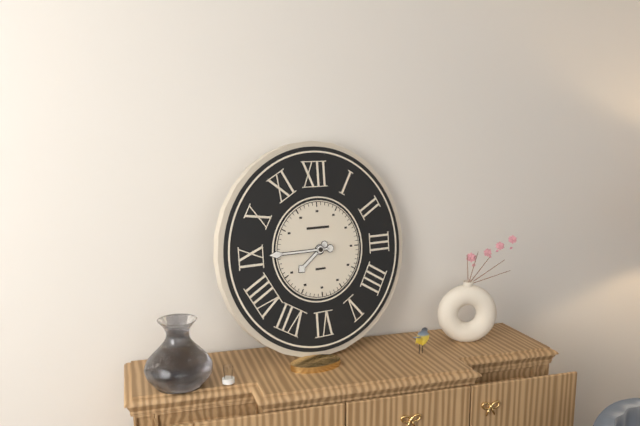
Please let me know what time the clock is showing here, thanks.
7:45
